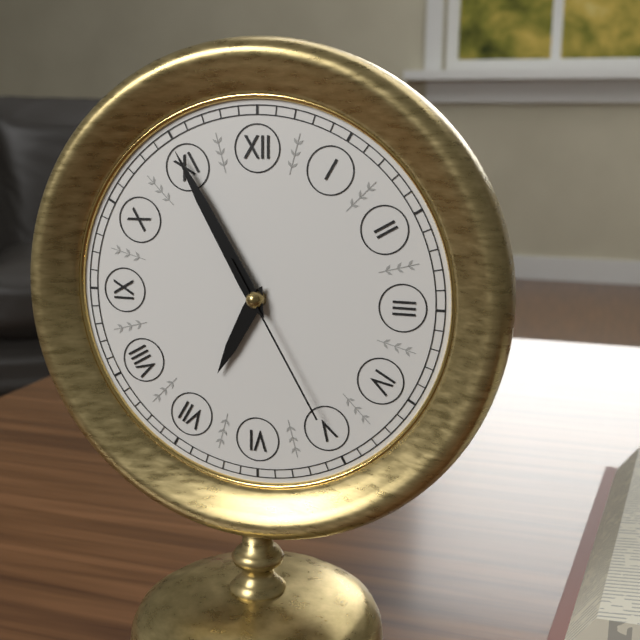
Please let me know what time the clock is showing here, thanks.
6:55:25
